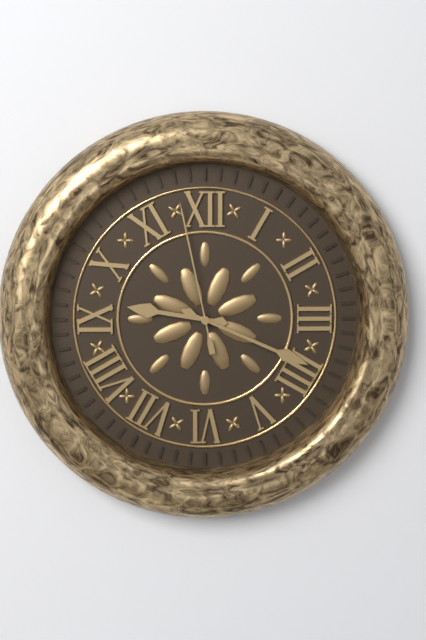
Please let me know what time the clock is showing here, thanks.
9:19:58
